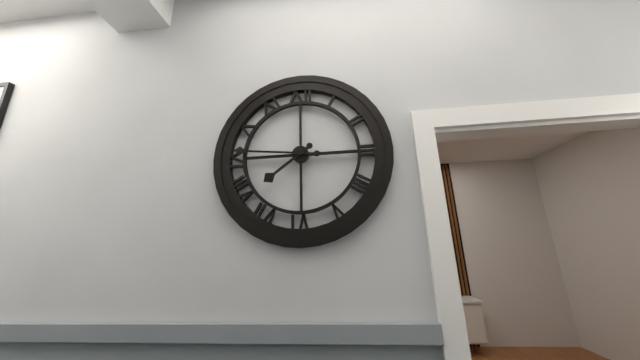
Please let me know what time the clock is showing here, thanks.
7:46
